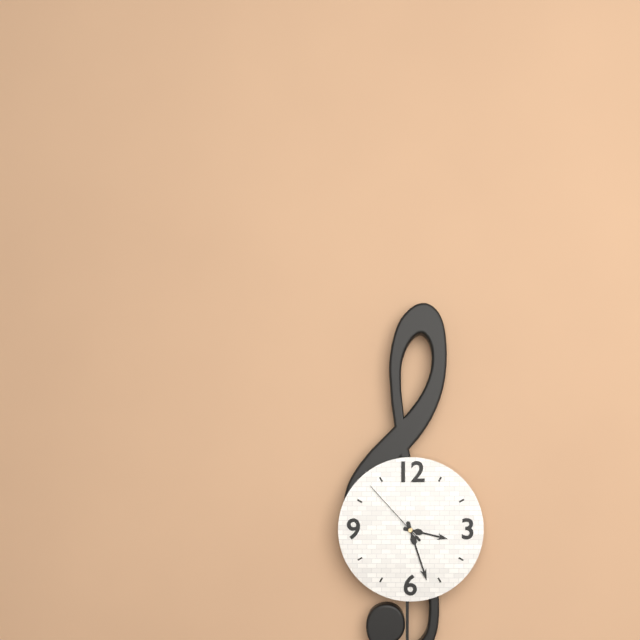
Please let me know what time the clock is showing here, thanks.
3:27:53
